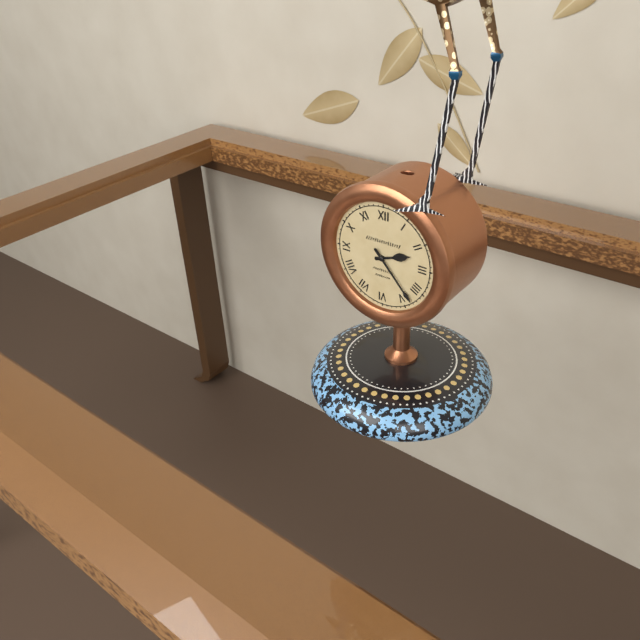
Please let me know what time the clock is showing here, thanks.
2:23
